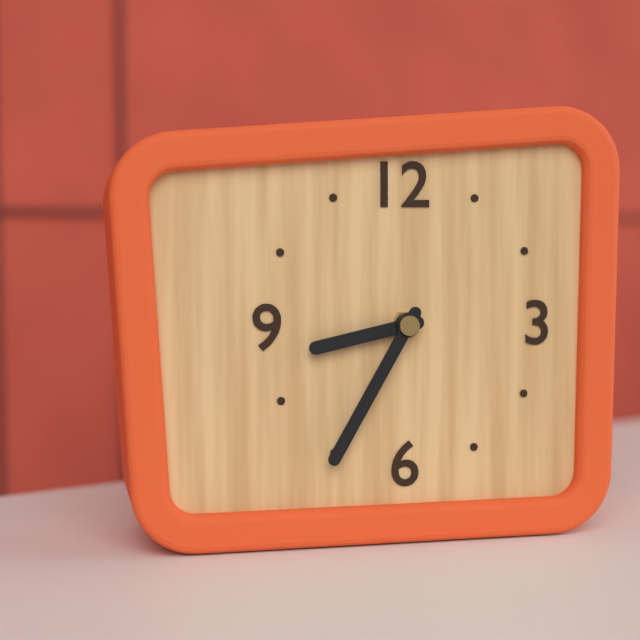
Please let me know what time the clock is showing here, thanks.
8:35
